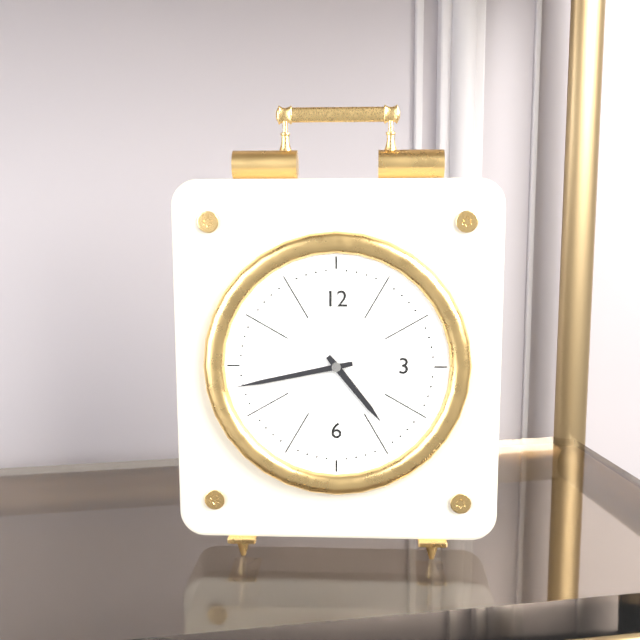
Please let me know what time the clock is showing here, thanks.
4:43
